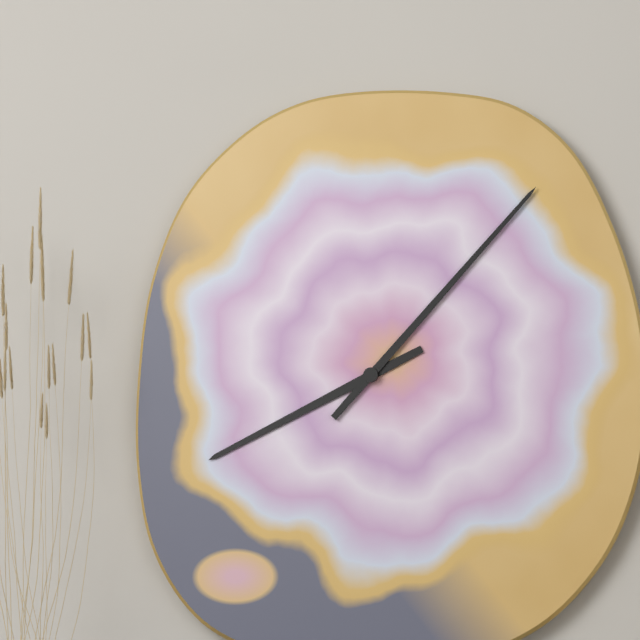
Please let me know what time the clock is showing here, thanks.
8:07
